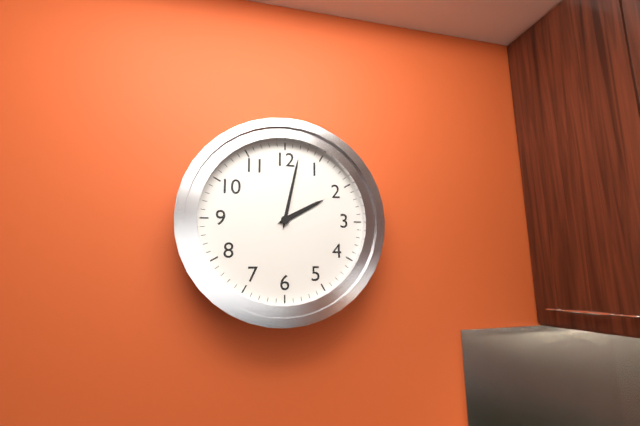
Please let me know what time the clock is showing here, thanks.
2:02
